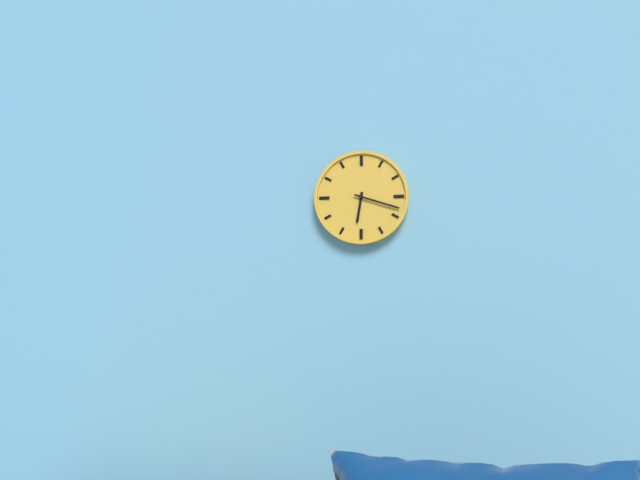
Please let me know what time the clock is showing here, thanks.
6:18
